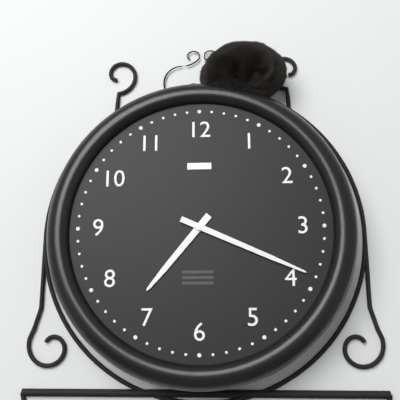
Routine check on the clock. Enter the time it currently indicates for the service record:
7:19
